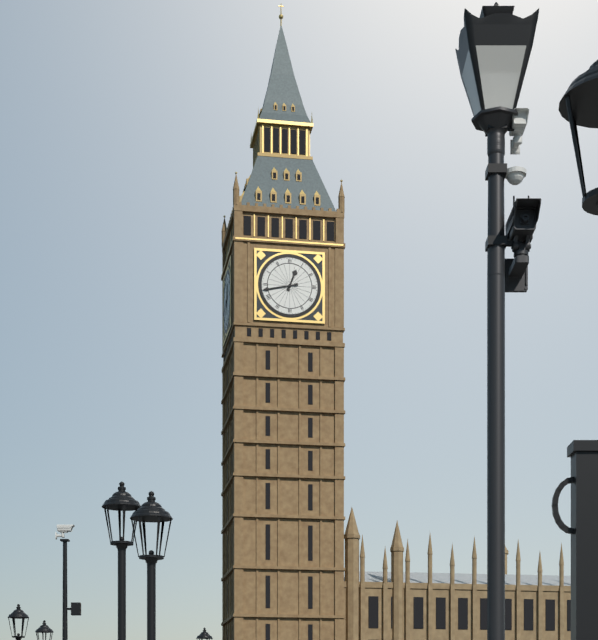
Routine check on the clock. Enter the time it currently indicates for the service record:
12:43
